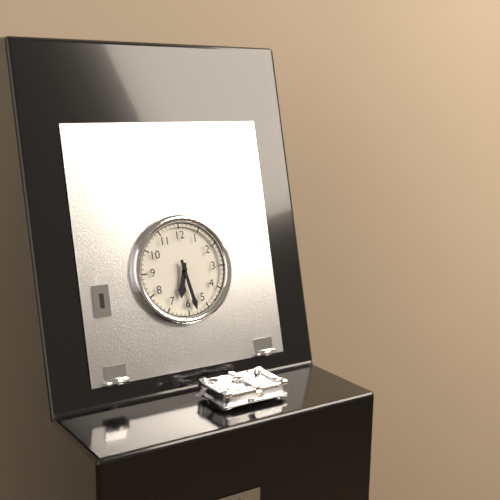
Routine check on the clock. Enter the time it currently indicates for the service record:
6:28
